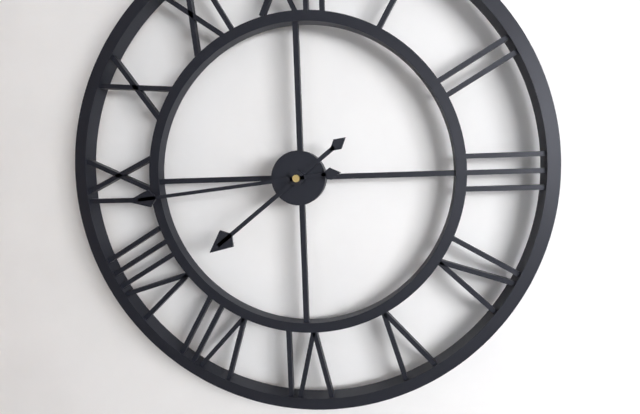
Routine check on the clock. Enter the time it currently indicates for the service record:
7:44
